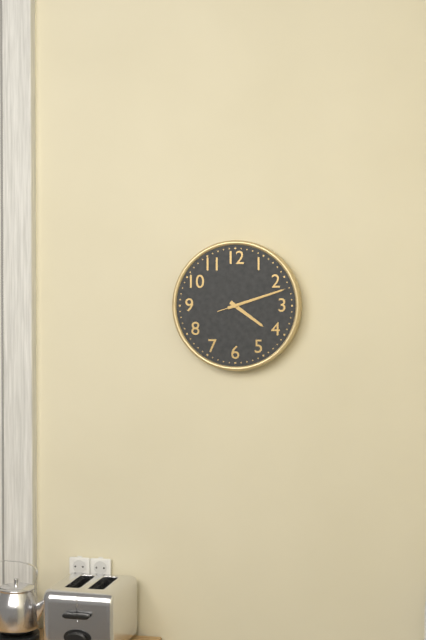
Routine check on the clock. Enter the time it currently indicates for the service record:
4:12:12
